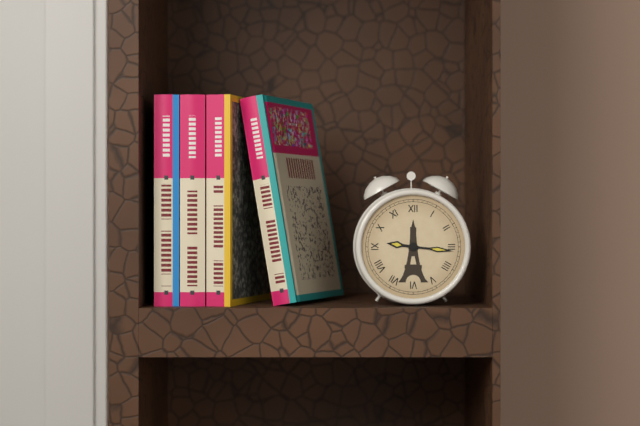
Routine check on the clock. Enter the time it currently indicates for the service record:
9:16
